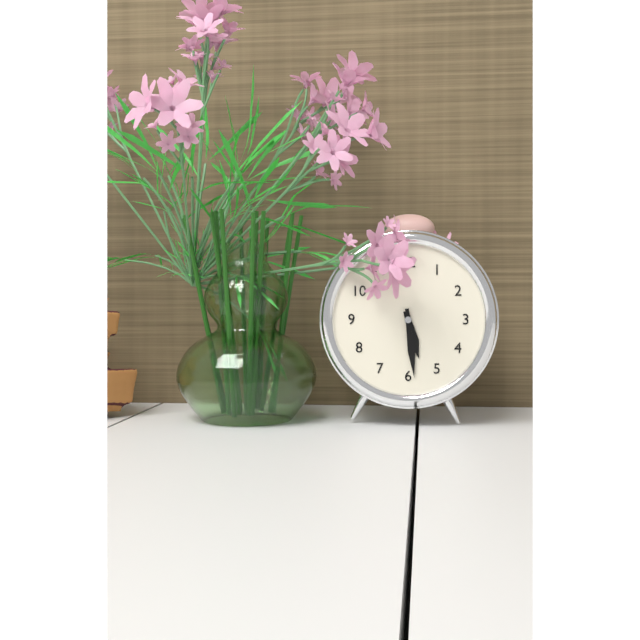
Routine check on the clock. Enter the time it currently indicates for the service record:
5:29
